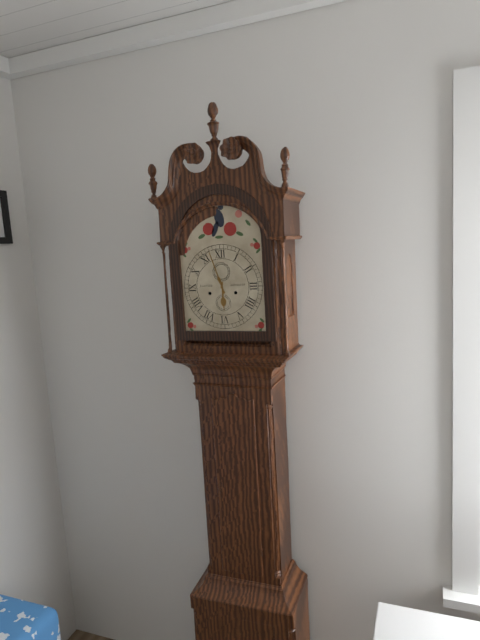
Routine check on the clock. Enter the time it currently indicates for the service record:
5:57
